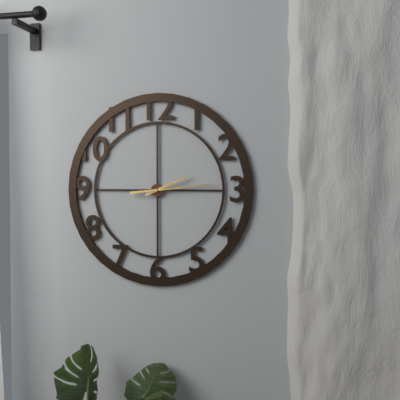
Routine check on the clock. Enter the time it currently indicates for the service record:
2:14
